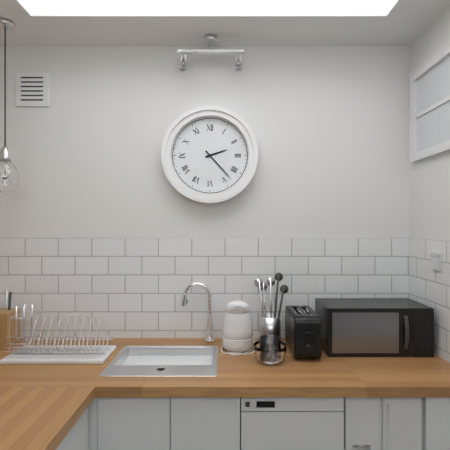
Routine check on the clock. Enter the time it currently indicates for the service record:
2:23
